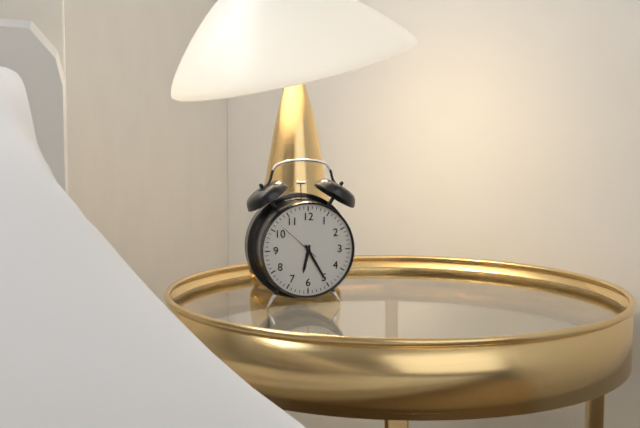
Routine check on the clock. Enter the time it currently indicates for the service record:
6:25
